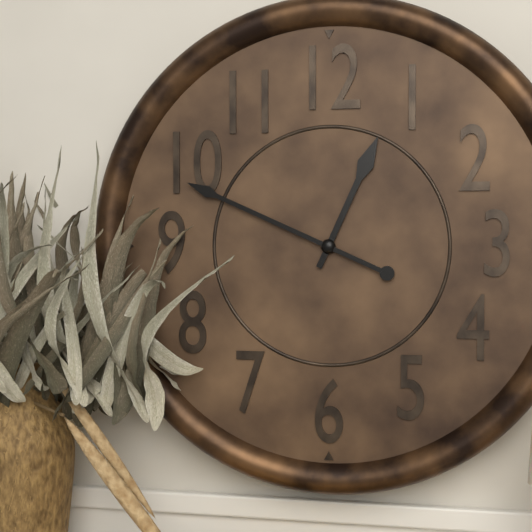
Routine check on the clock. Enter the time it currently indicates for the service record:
12:49
